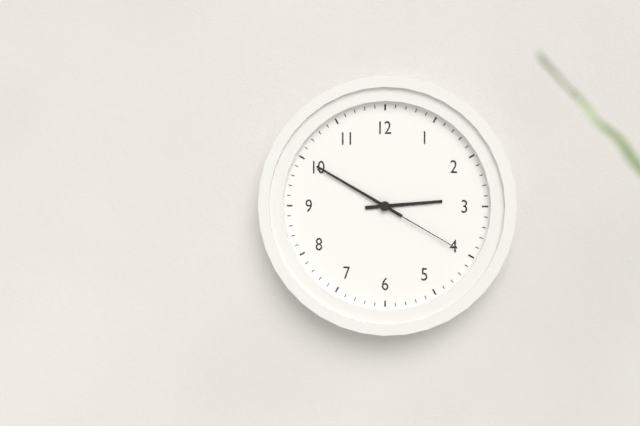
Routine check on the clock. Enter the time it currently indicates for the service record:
2:50:20
